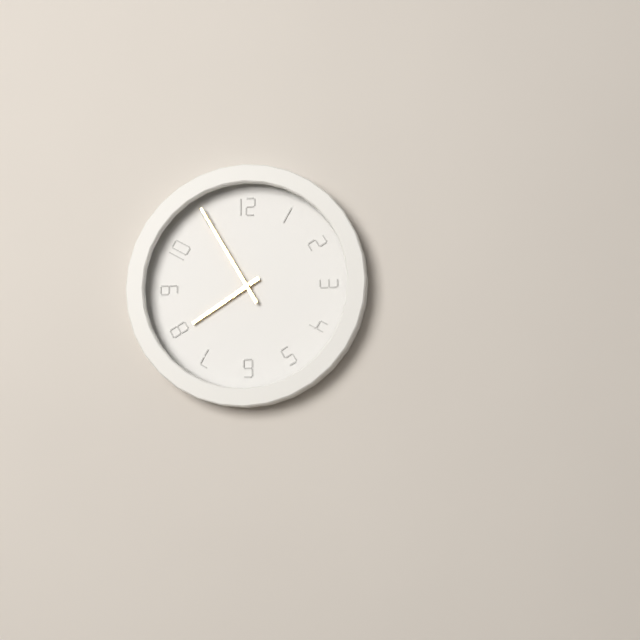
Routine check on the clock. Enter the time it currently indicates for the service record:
7:55
